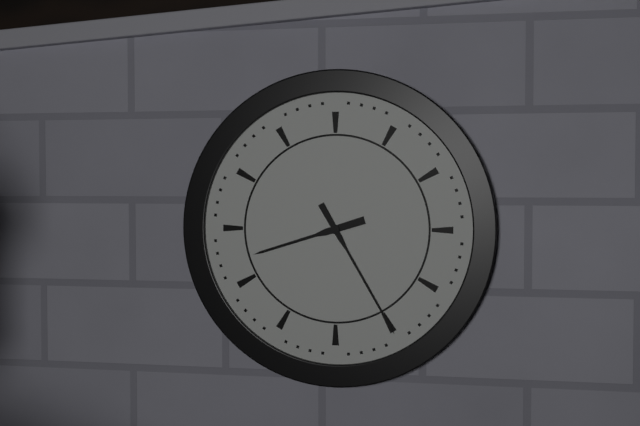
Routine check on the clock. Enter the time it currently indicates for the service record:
8:25
